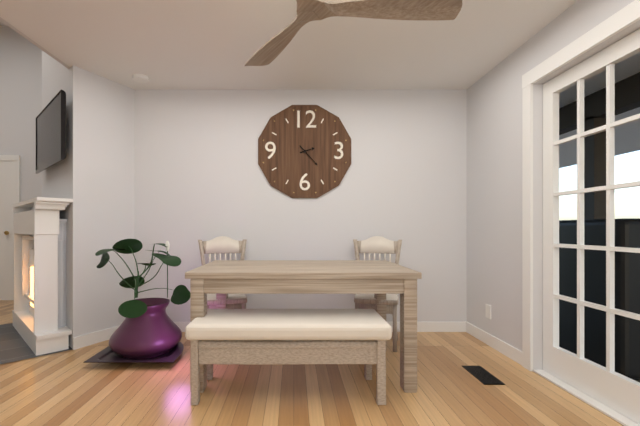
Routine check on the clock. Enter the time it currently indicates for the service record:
2:23
